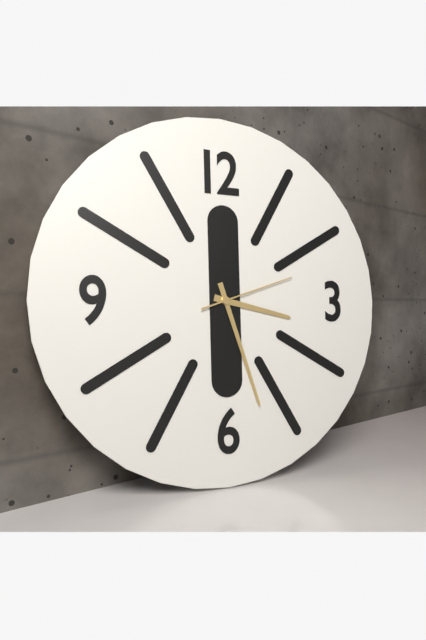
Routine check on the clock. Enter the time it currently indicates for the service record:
3:27:12
